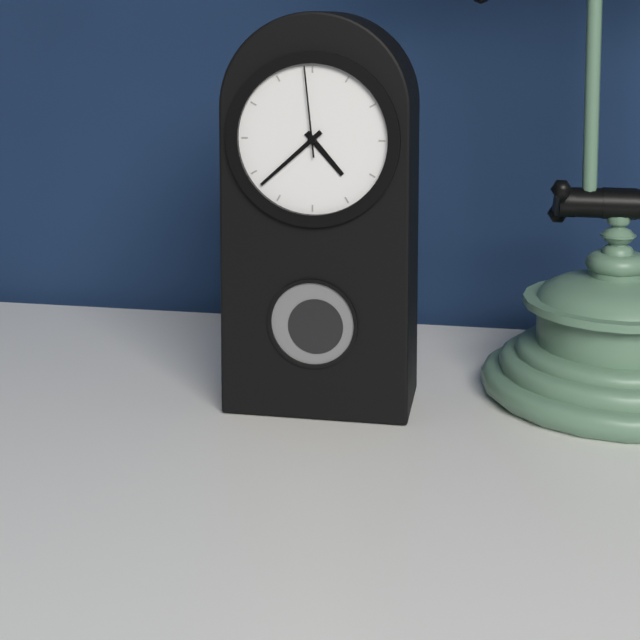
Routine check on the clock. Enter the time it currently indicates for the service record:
4:38:59
